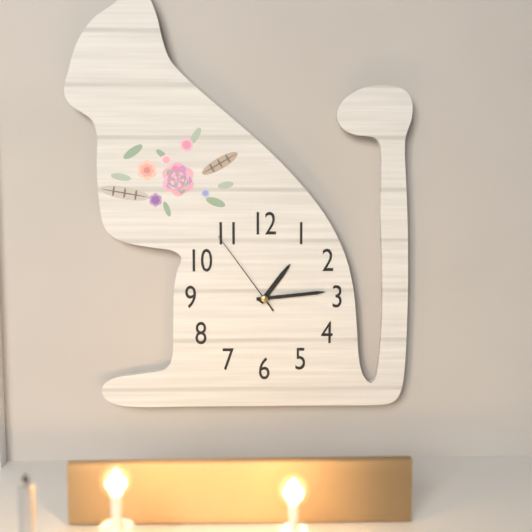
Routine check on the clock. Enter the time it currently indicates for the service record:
1:14:54
